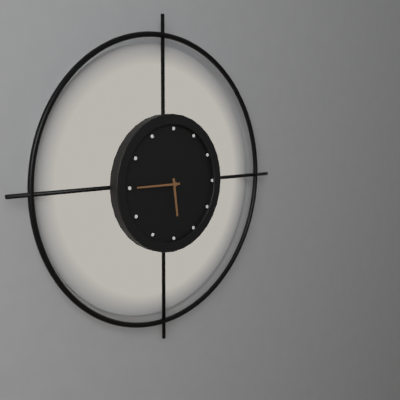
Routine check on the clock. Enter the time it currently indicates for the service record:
5:45
